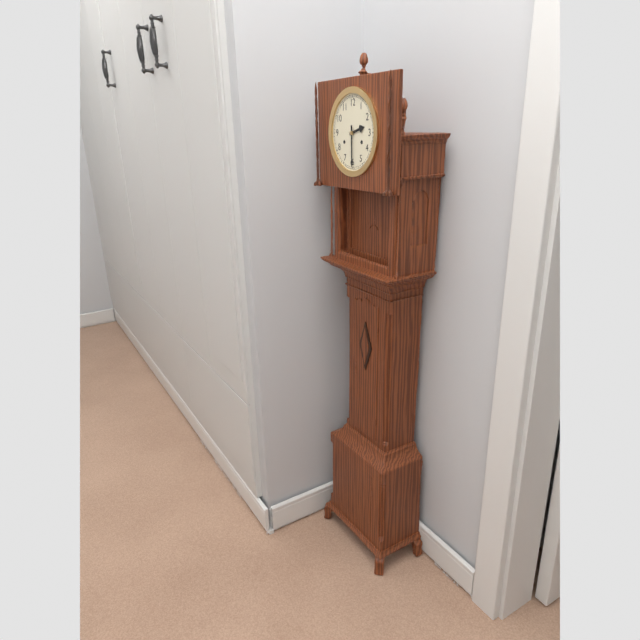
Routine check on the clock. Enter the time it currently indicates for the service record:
2:30
